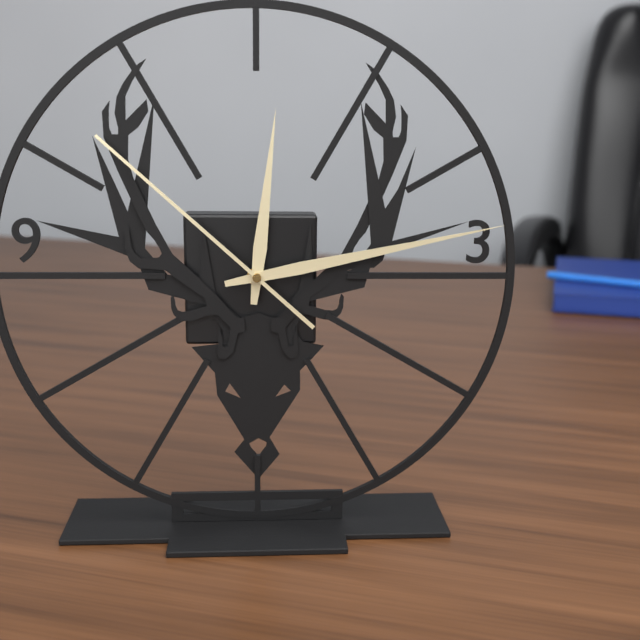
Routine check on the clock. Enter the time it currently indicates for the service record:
12:13:52
